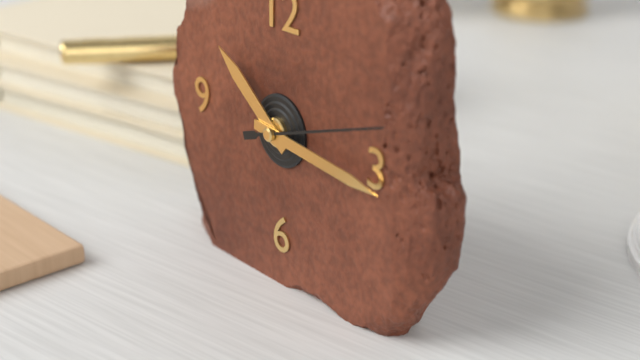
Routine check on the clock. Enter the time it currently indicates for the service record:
10:16:12
